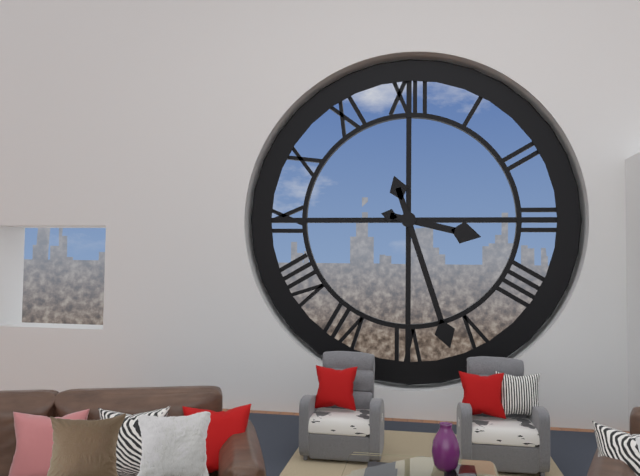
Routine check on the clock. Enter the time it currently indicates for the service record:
3:27
